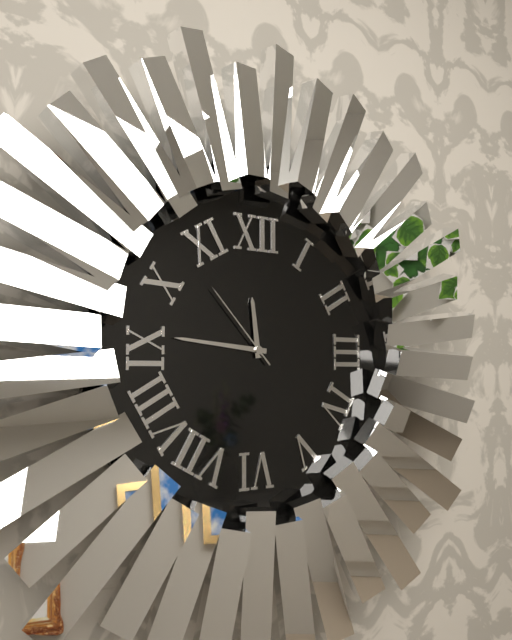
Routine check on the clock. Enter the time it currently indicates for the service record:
11:46:53
